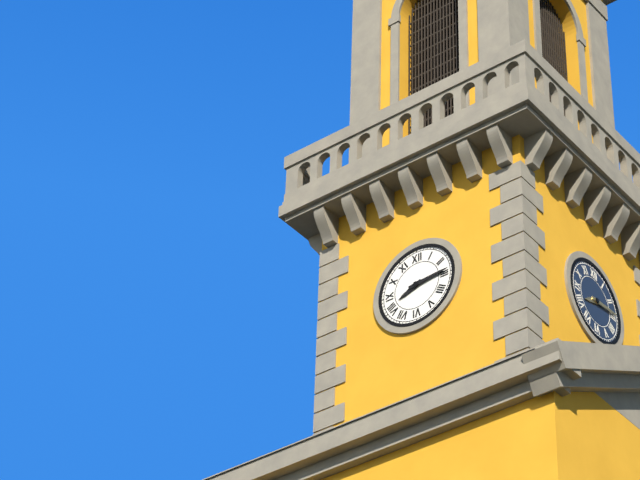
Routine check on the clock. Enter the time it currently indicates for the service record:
8:14
